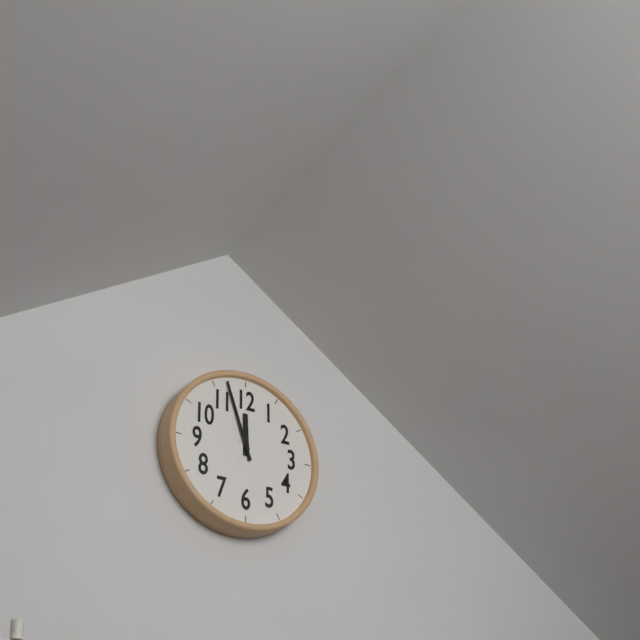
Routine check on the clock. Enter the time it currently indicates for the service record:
11:57
